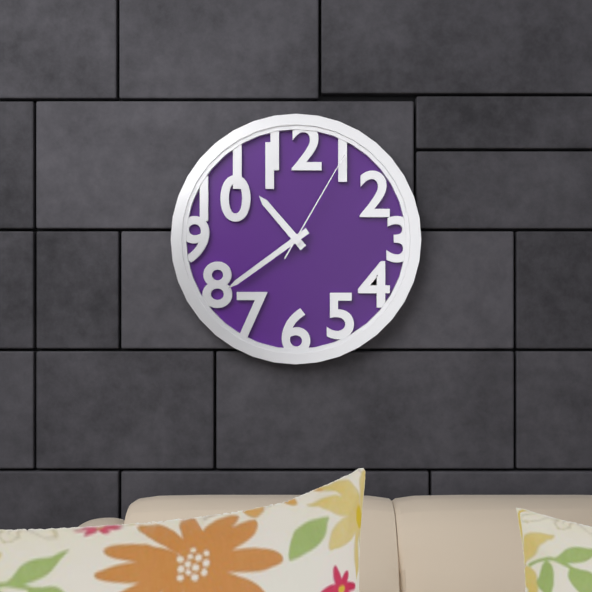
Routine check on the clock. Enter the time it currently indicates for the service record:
10:39:05
